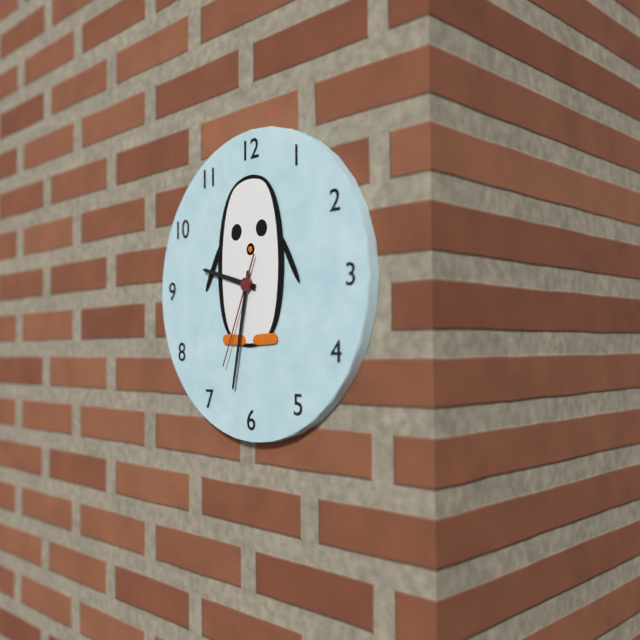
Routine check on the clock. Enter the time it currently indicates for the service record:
9:32:34
